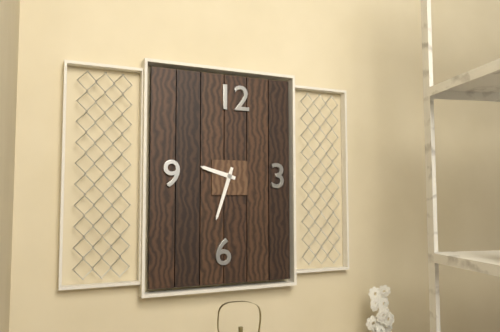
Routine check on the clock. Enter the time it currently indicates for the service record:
9:33
